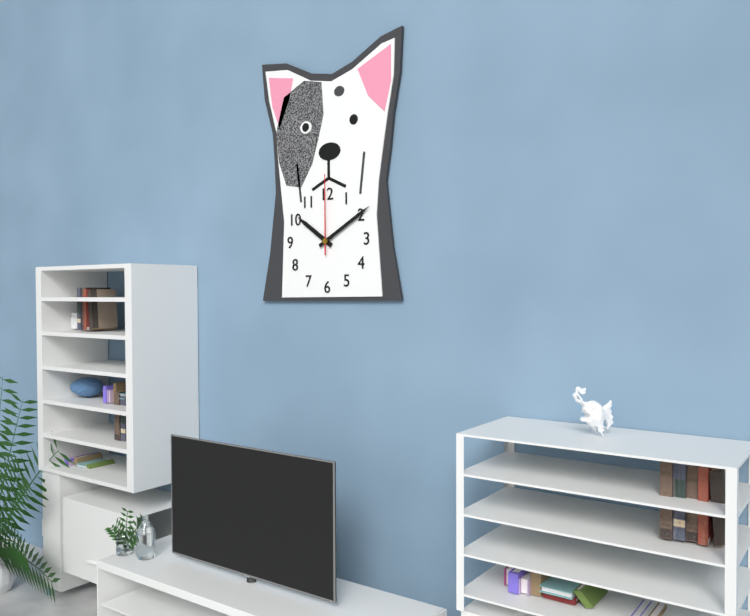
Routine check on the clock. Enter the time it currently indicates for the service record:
10:10:00
